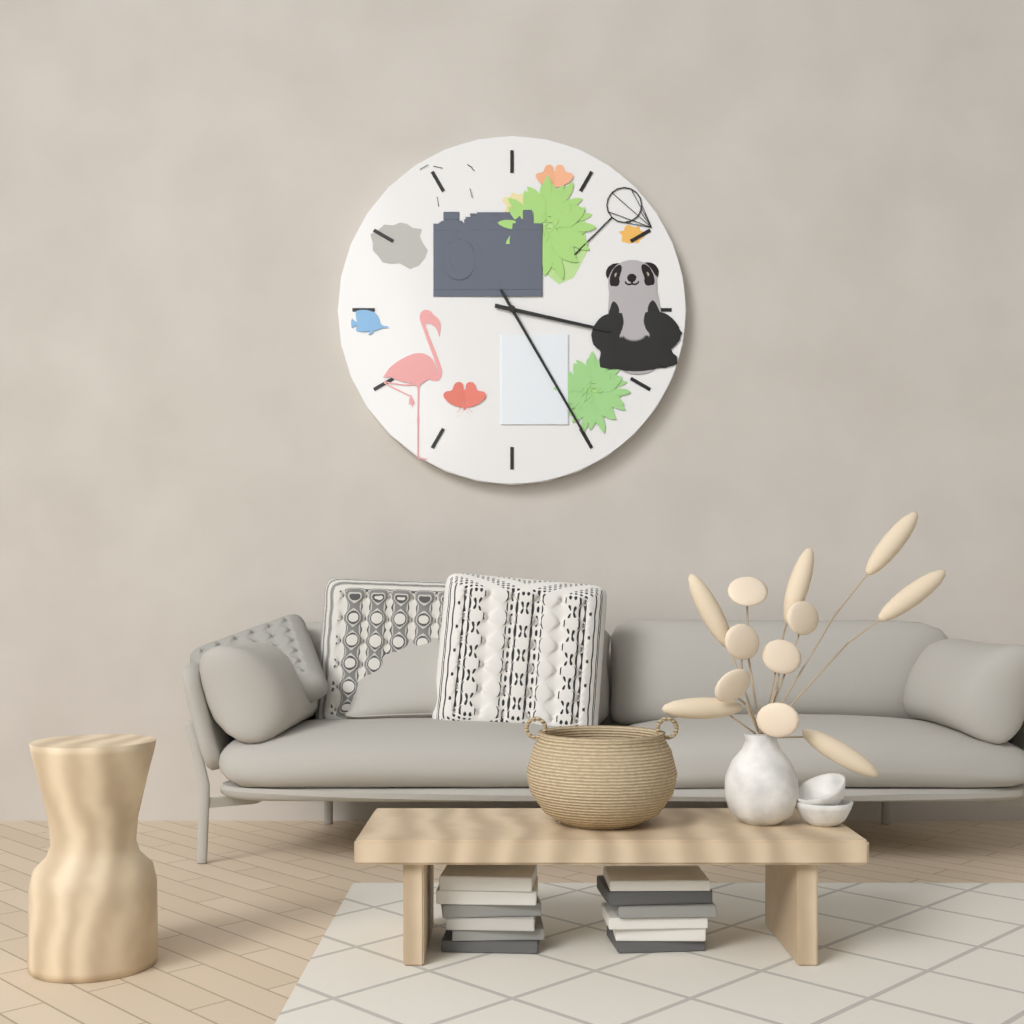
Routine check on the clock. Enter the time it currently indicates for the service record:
3:25
